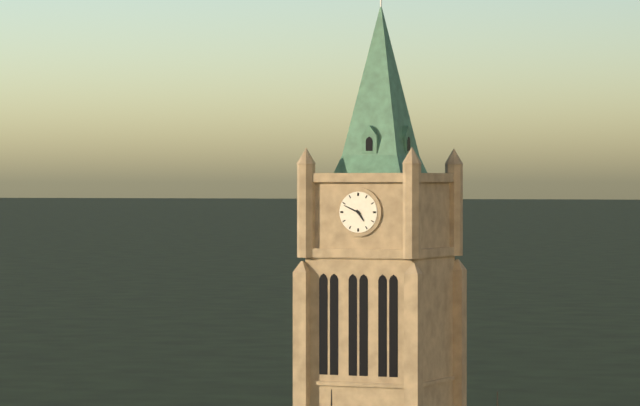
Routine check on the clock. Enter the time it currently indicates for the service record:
4:49
